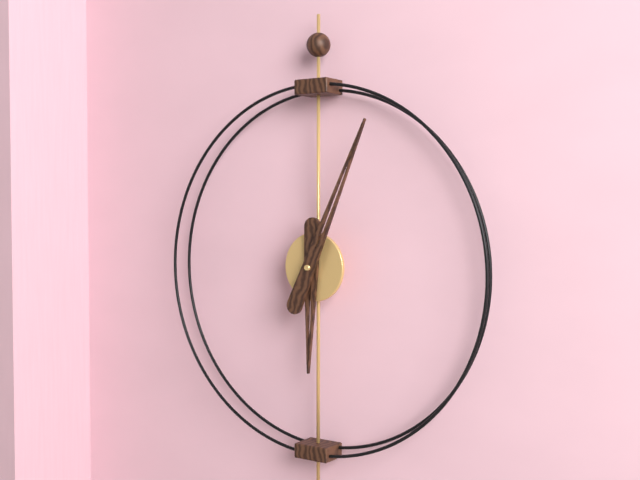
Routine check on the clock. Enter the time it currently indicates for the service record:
6:04
